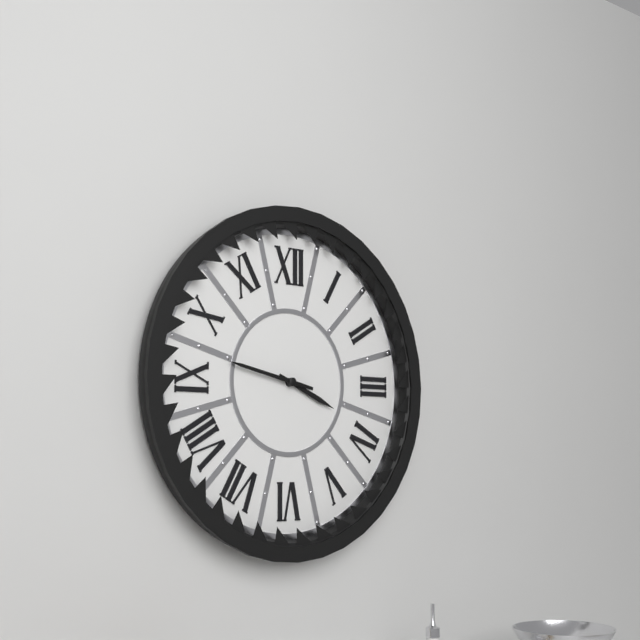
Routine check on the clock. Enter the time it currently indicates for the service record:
3:47
